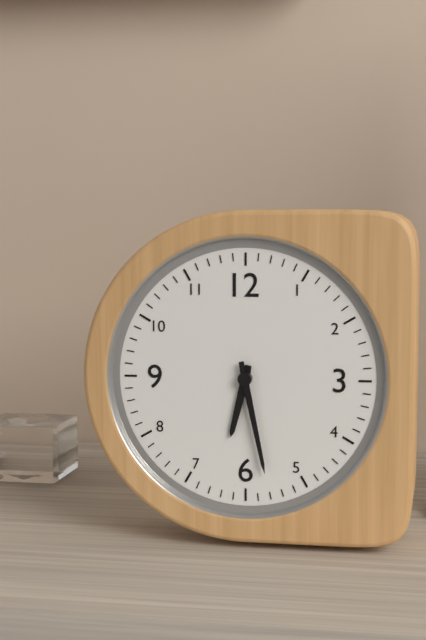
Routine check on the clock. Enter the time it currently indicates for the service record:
6:28
